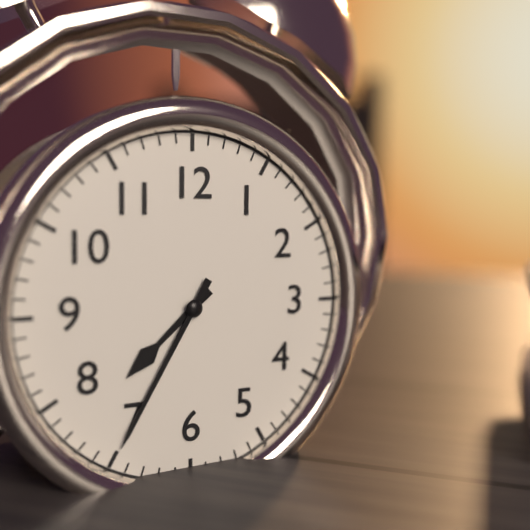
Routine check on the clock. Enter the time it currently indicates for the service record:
7:35
